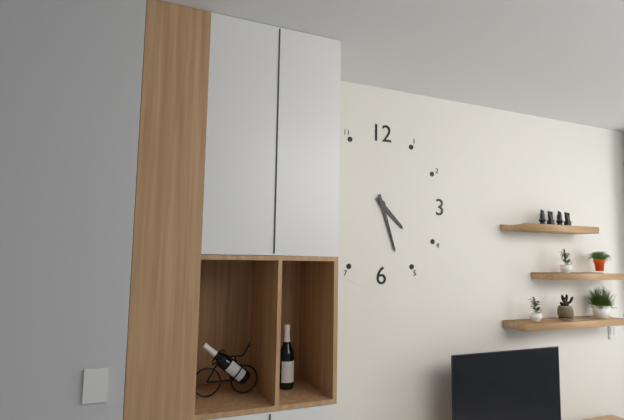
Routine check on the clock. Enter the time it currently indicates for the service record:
4:27
